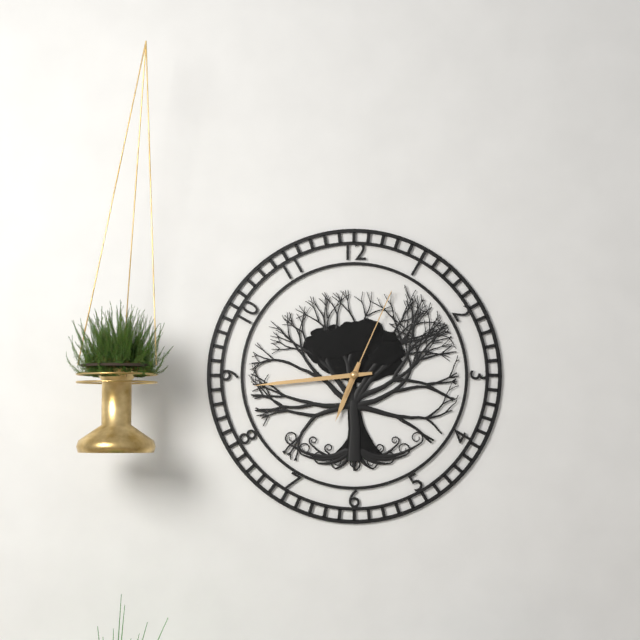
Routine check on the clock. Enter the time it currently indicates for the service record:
6:44:04
